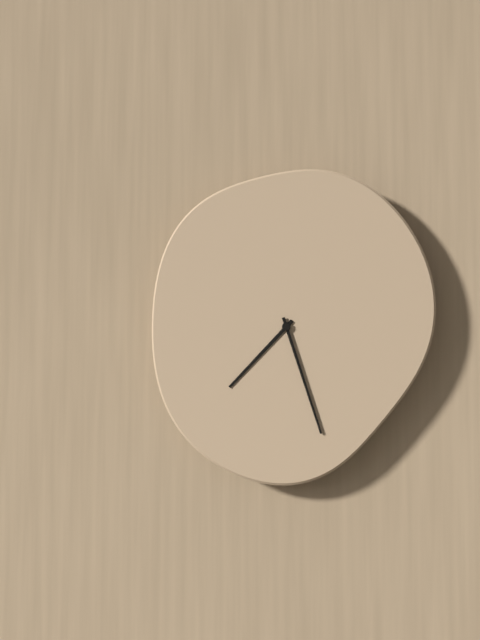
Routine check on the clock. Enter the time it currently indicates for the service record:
7:27
